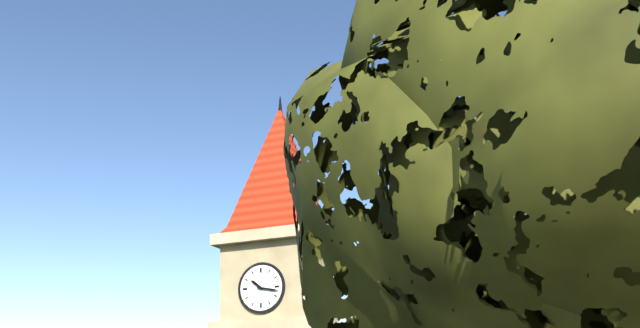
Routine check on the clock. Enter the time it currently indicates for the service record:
10:17
